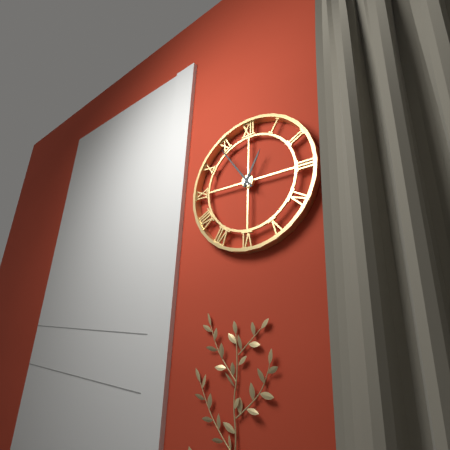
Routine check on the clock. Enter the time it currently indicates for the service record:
12:54
